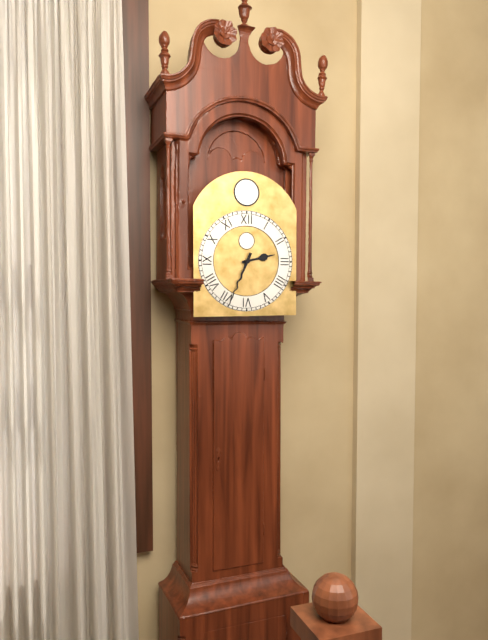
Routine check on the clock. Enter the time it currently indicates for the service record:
2:34
